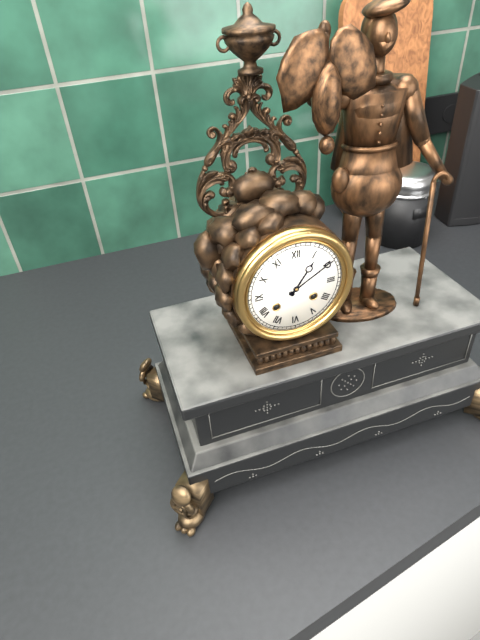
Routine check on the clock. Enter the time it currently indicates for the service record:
1:10
